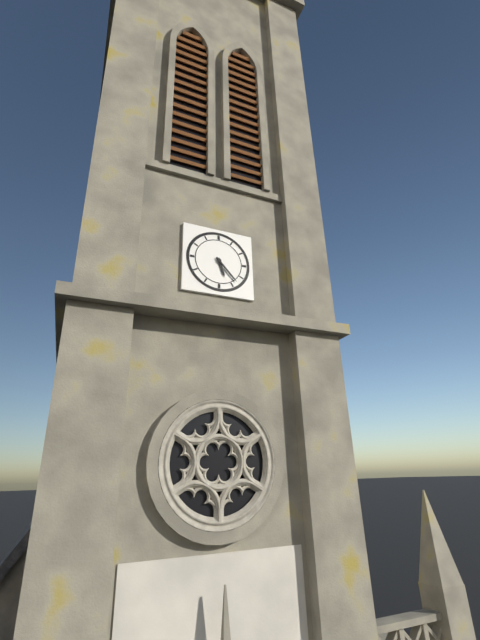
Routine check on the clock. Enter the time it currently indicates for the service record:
5:23
